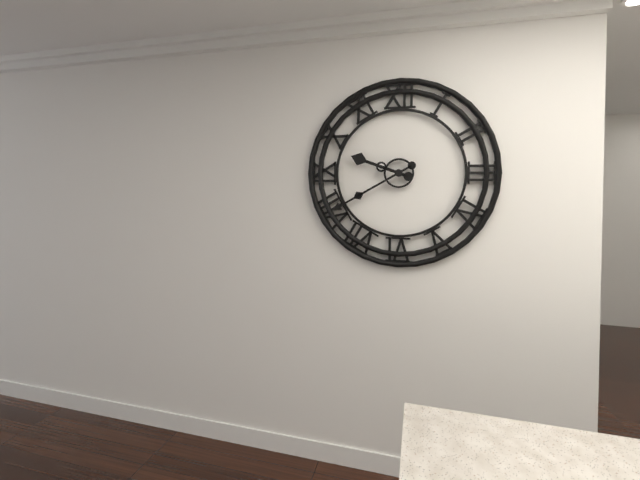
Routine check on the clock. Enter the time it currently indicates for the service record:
9:40
